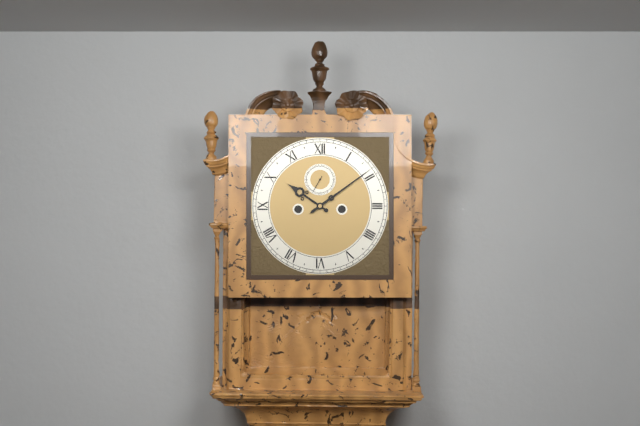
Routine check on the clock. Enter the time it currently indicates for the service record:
10:09
